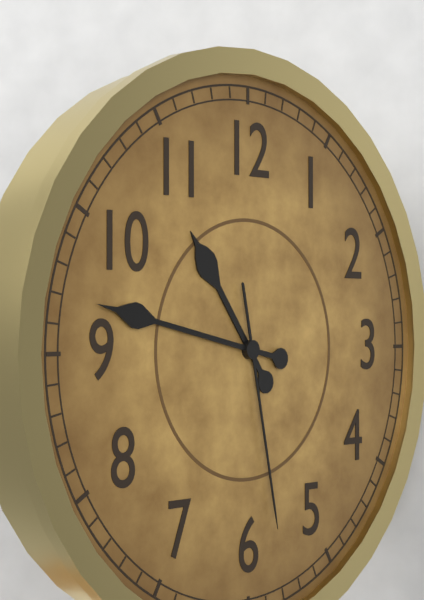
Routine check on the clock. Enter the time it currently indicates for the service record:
10:47:28
